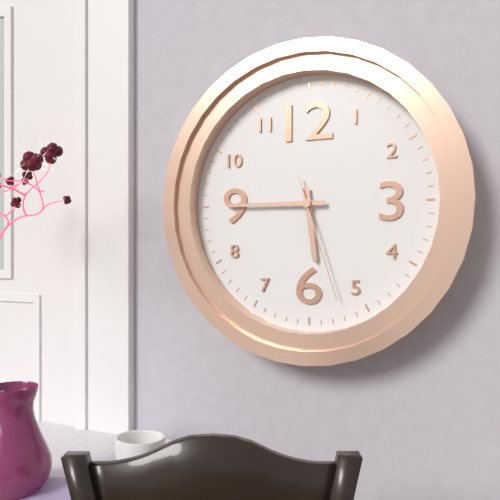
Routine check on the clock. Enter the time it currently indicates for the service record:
5:45:27
